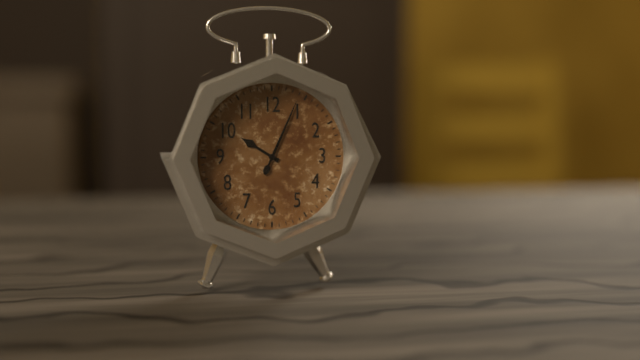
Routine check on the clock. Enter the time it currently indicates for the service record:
10:04
